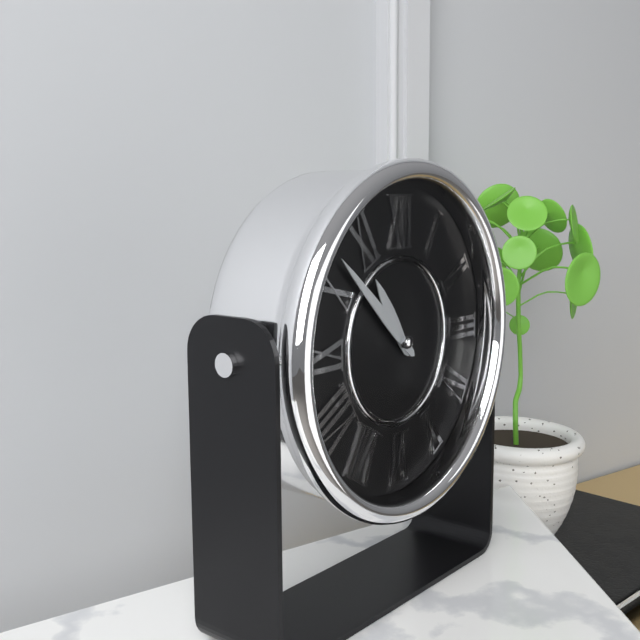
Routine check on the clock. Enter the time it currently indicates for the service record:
10:52
